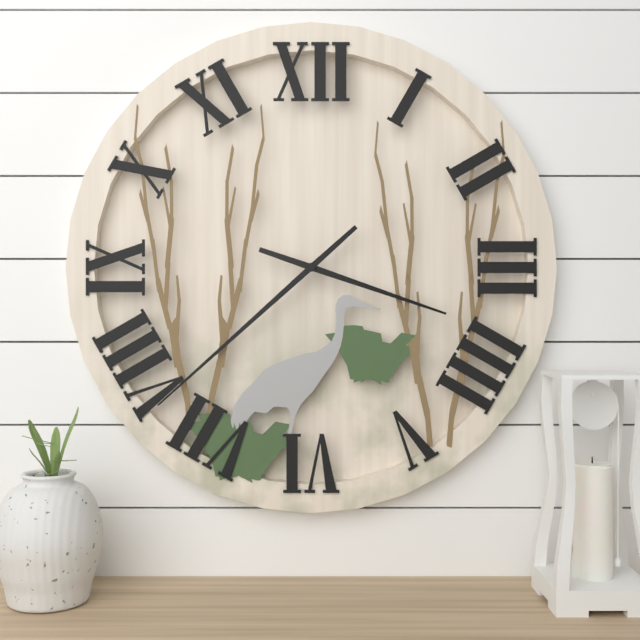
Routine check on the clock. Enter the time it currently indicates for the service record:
3:38
